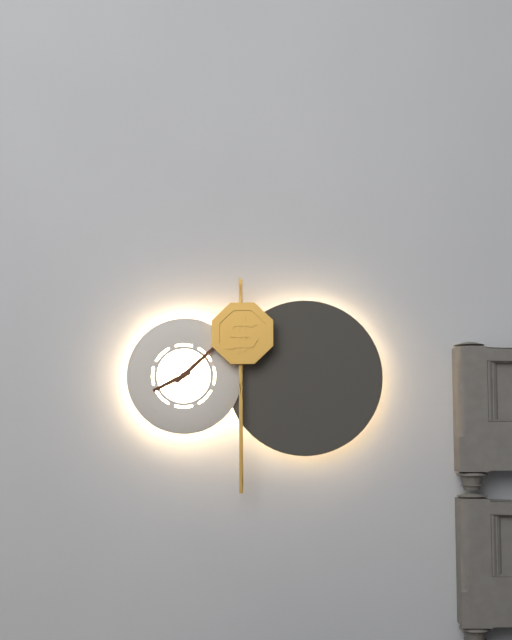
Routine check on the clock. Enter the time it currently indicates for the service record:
8:08
